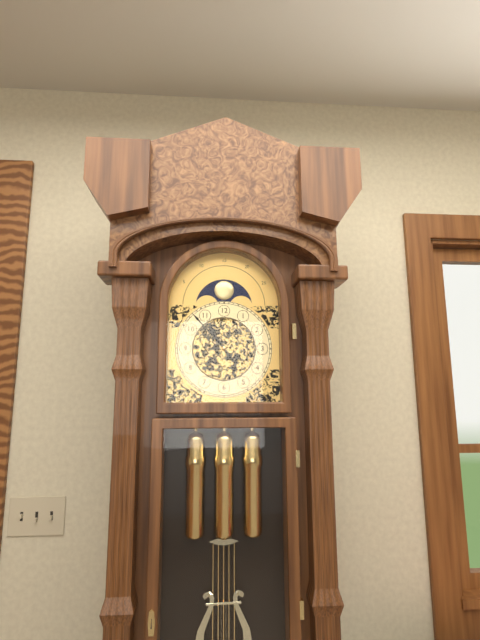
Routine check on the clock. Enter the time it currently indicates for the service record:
10:53
